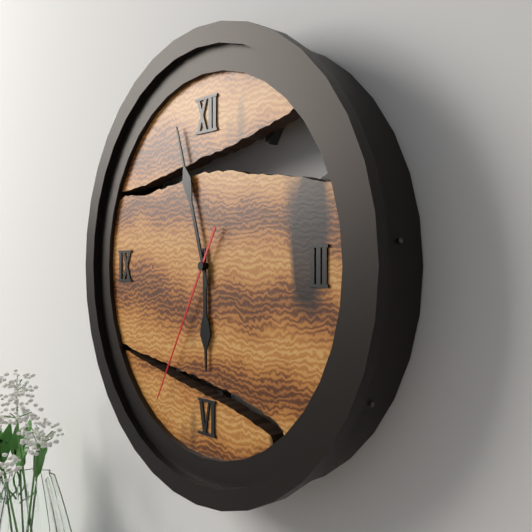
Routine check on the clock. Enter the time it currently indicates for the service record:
5:57:35
